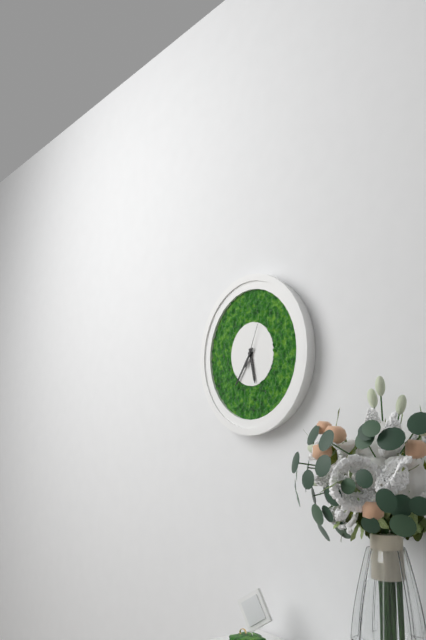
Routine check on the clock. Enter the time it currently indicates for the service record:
5:36
